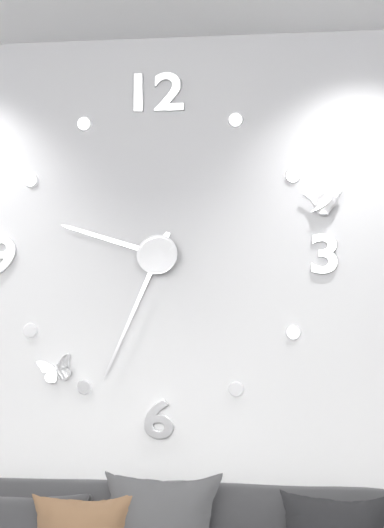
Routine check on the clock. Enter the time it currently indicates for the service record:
9:34
